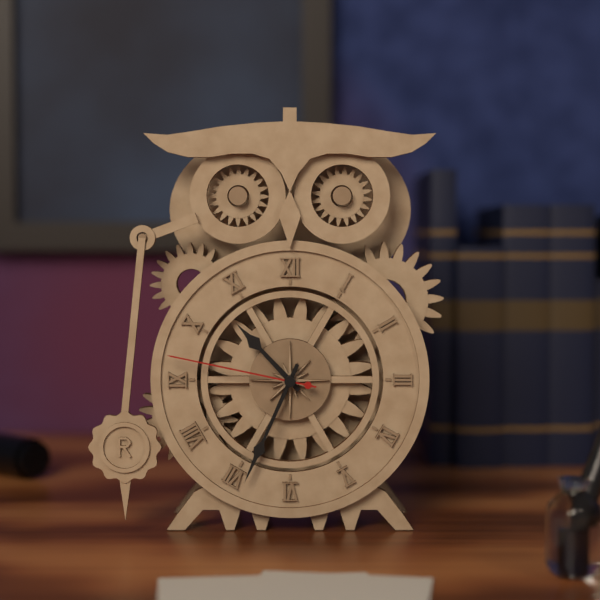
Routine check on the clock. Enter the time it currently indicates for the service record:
10:34:47
